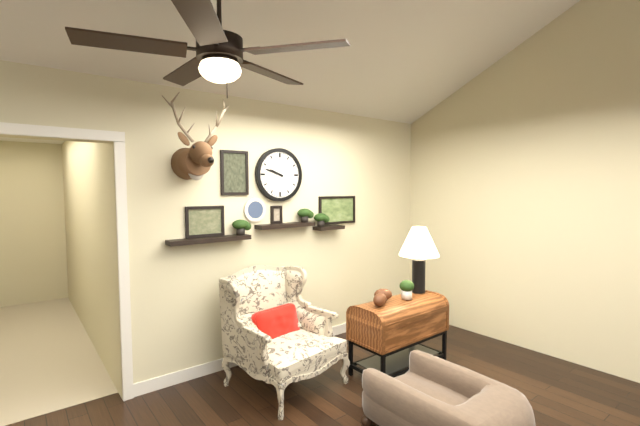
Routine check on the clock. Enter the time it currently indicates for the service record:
9:48
